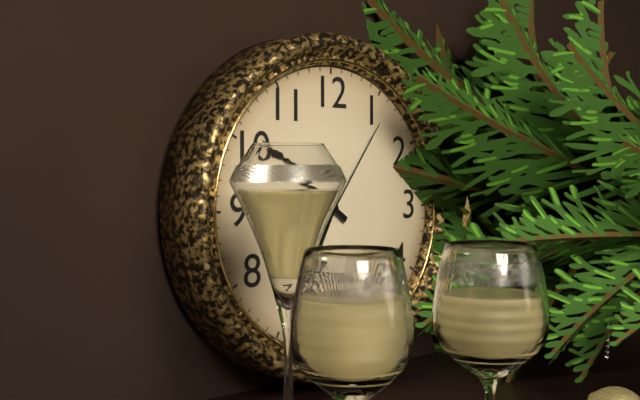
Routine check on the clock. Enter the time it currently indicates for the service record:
6:51:06
